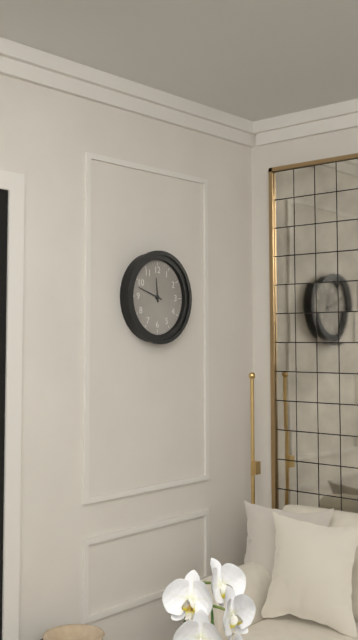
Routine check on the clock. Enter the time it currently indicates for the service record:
11:48
